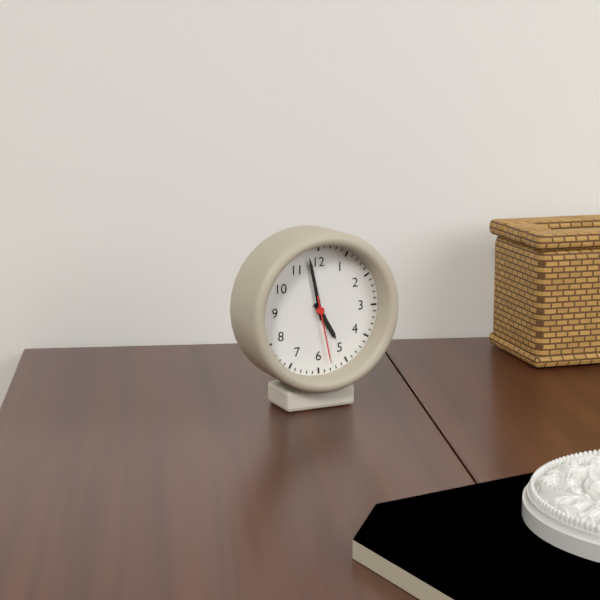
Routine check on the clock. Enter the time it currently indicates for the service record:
4:58:28
